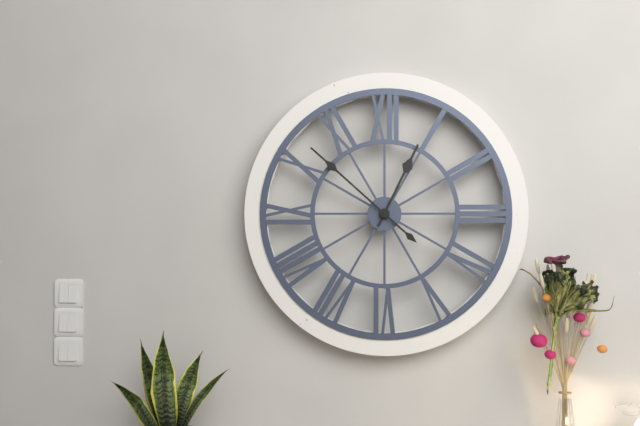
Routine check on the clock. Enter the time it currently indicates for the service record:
12:52
